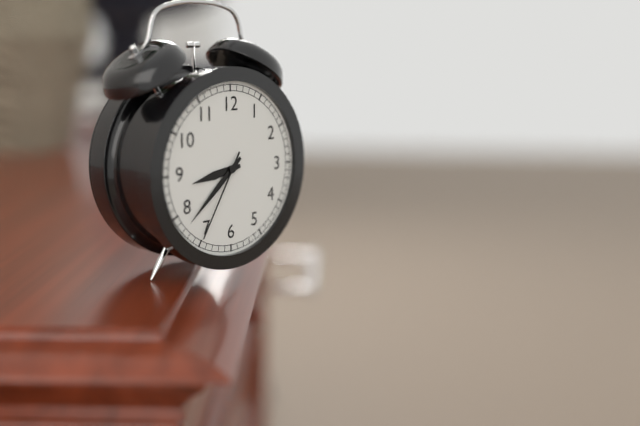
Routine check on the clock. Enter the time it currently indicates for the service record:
8:38:35
